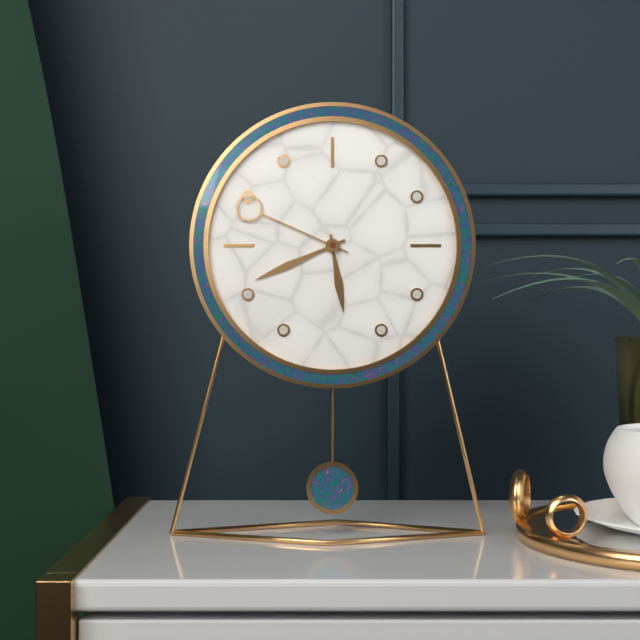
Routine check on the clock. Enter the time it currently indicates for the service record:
5:41:49
